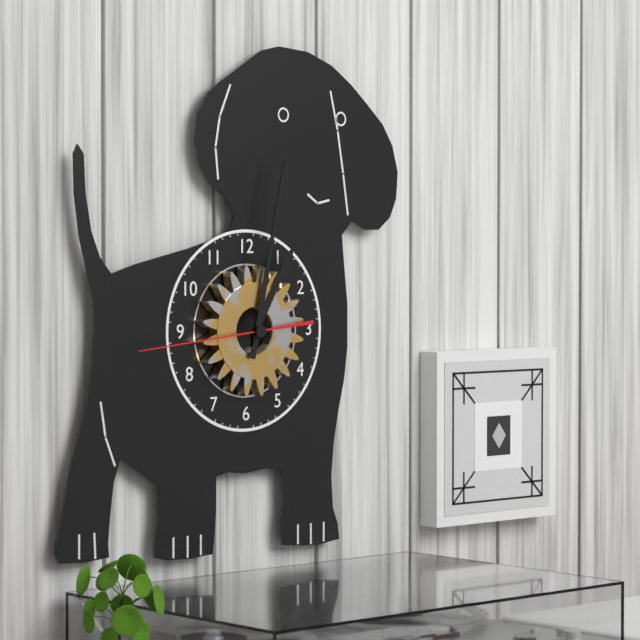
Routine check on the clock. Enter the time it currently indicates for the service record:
1:02:44
